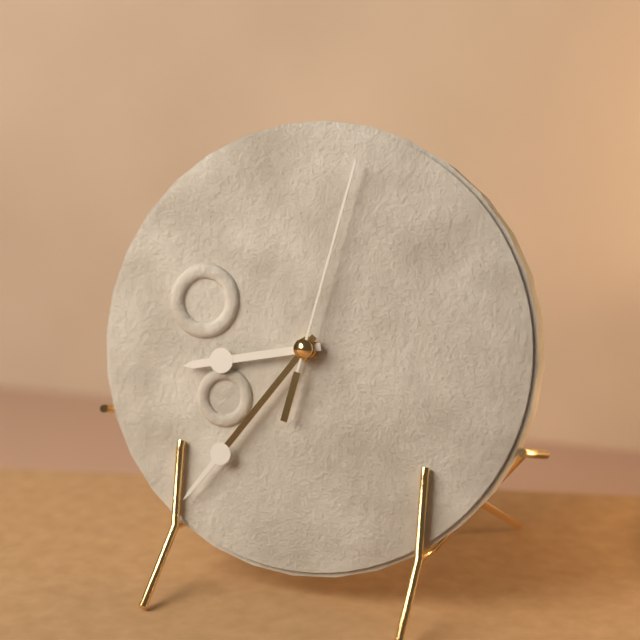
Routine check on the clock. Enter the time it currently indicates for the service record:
8:36:02
